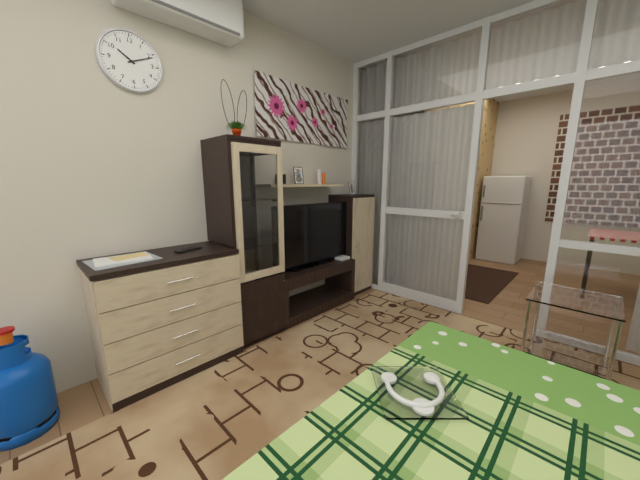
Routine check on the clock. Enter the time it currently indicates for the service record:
10:11
